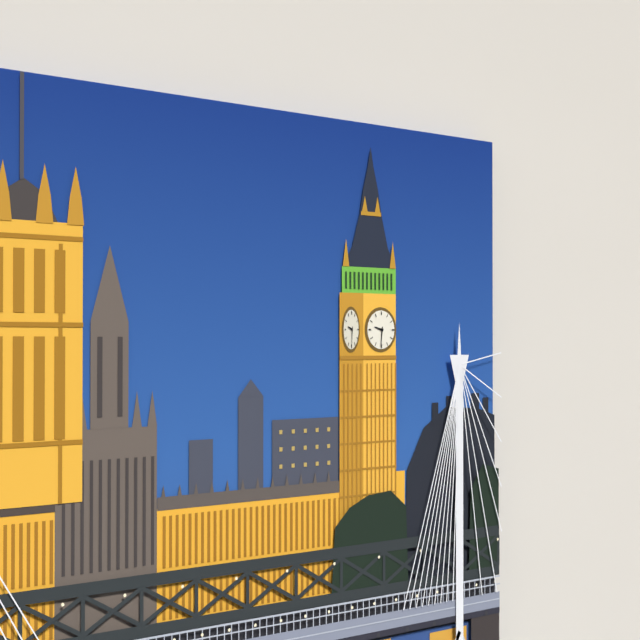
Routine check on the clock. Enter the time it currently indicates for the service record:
9:31
